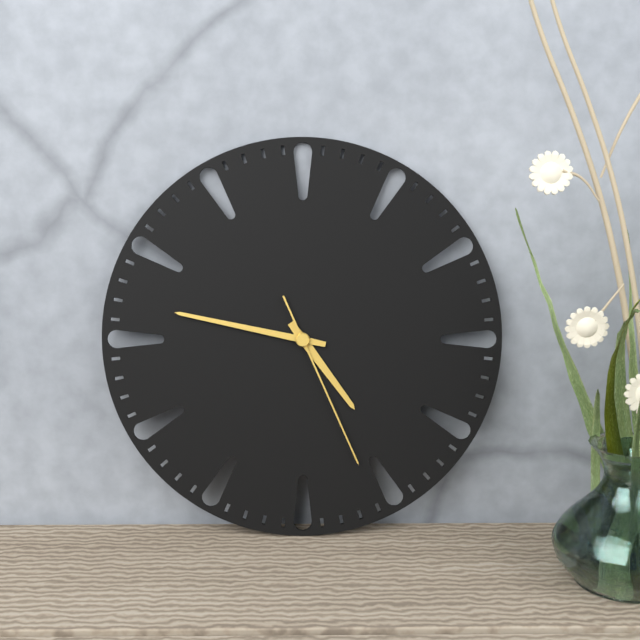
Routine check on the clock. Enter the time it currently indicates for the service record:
4:47:26
